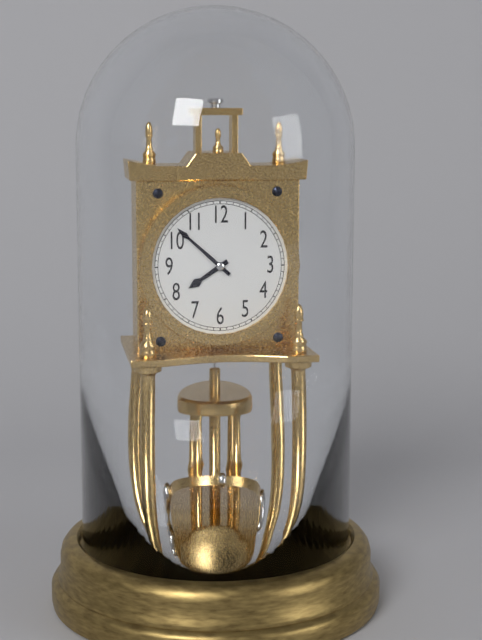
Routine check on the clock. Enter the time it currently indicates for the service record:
7:52
